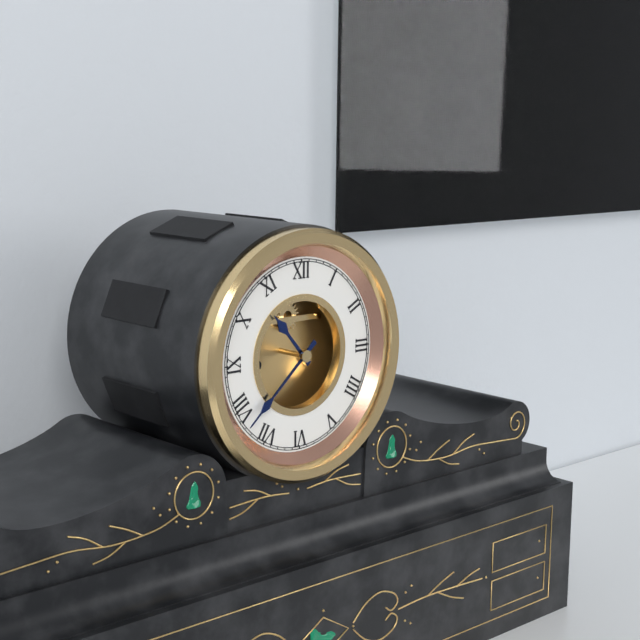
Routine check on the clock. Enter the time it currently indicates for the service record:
10:38
